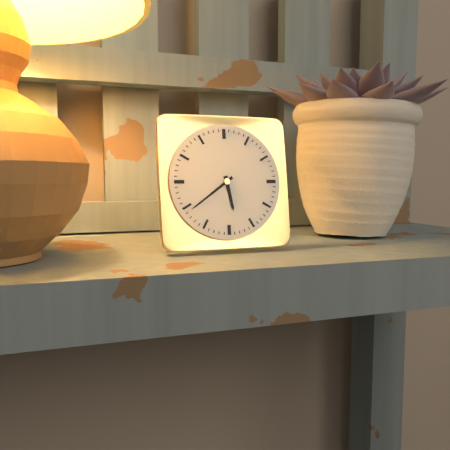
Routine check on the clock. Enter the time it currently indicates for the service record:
5:39
